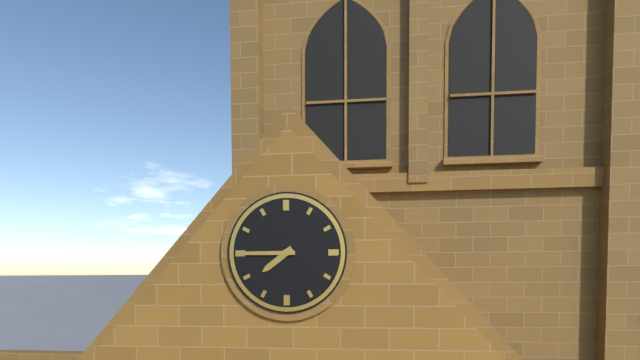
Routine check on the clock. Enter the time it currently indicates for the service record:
7:45
